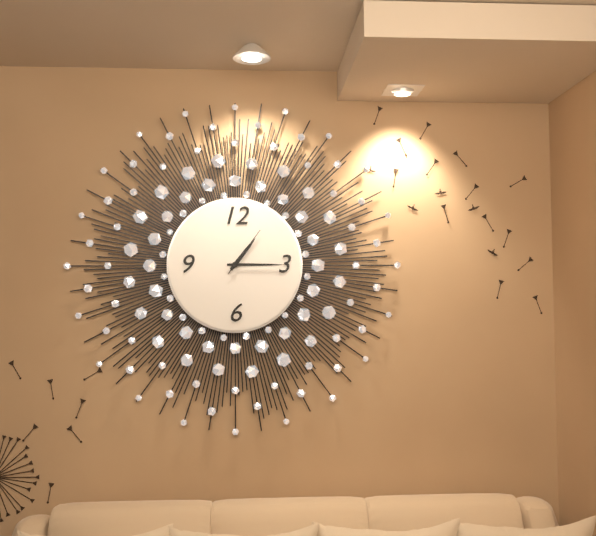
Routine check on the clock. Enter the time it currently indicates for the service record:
1:15:06
